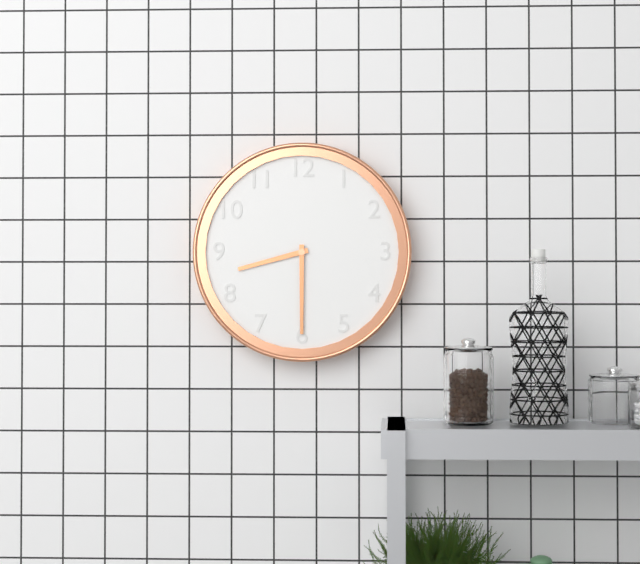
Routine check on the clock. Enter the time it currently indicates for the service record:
8:30
